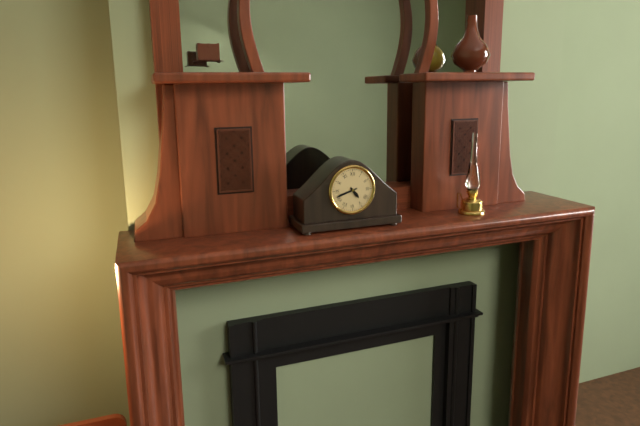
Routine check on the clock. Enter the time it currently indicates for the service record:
4:42
